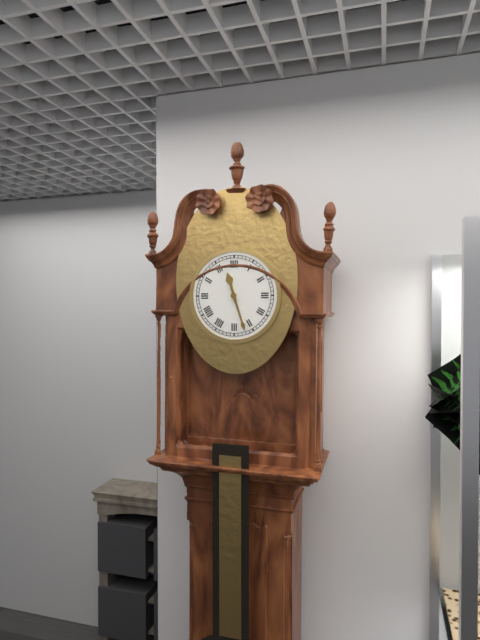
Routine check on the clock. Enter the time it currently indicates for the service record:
11:27
